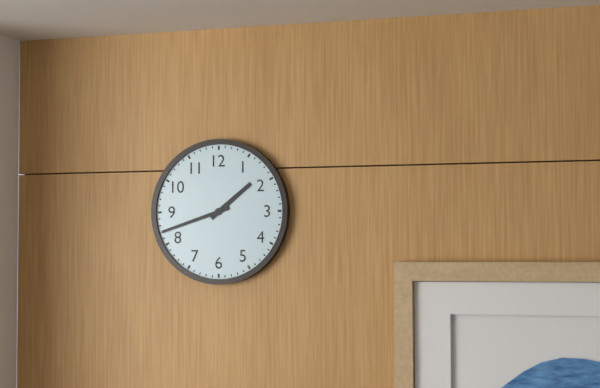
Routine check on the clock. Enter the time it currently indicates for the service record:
1:42
